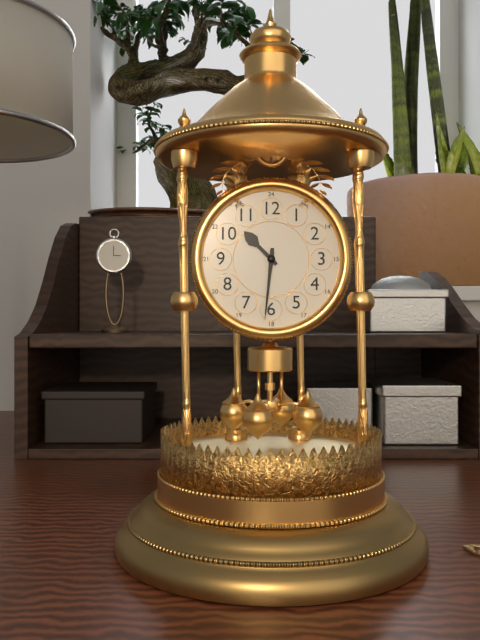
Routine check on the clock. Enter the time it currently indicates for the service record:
10:31
